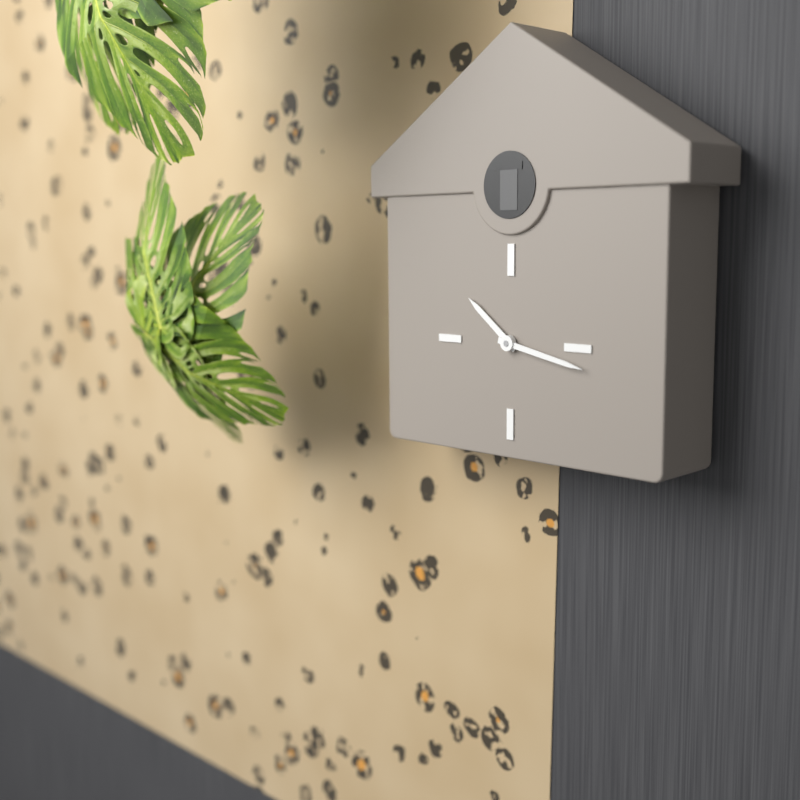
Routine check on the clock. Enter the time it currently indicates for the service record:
10:17
